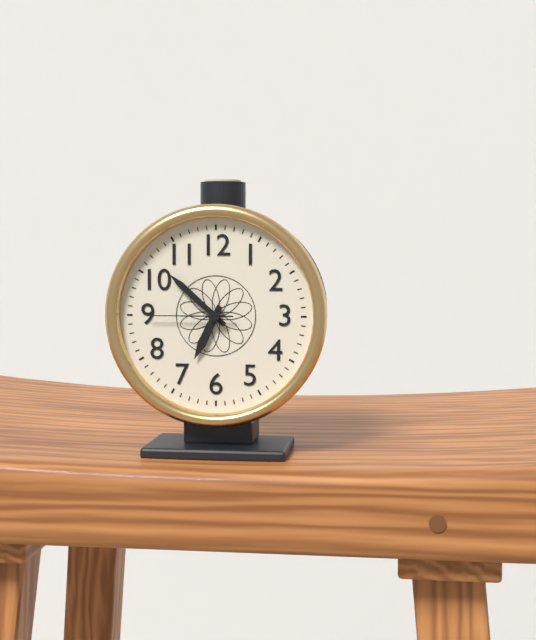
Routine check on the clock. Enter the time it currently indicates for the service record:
6:52:45
